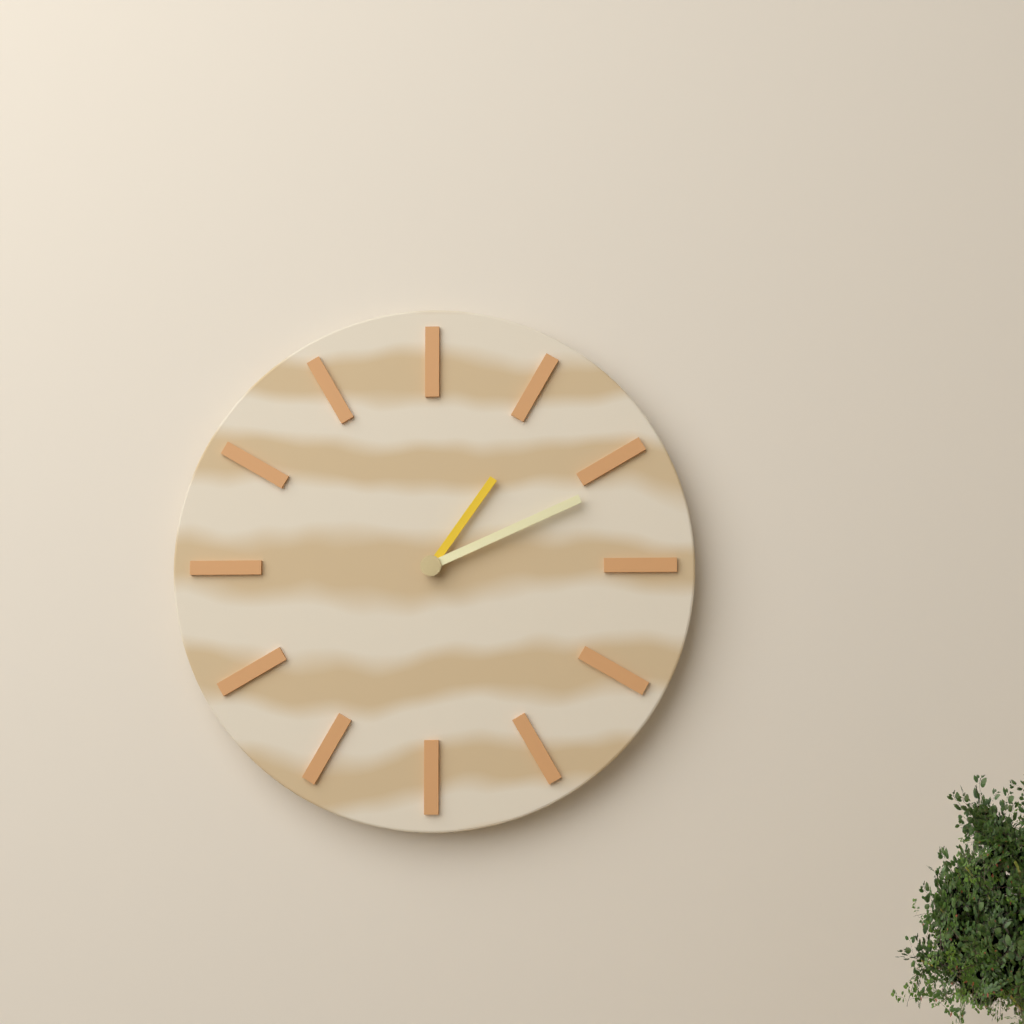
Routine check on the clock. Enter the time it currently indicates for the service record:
1:11
